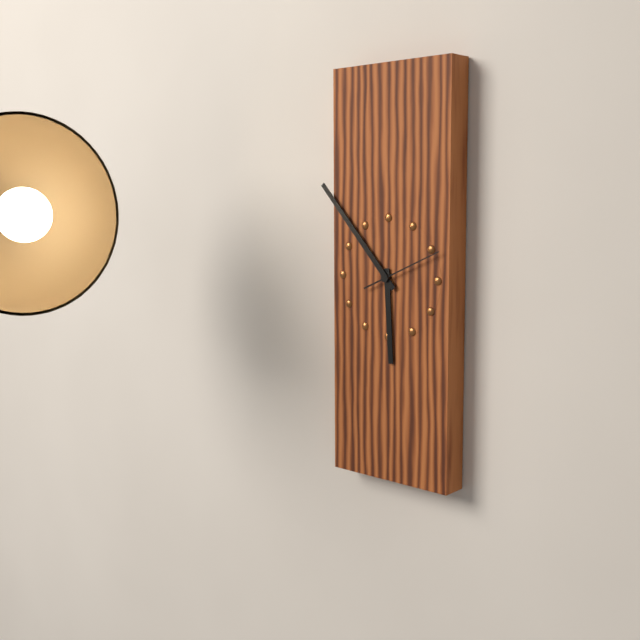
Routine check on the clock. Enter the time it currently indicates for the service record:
5:53:11
